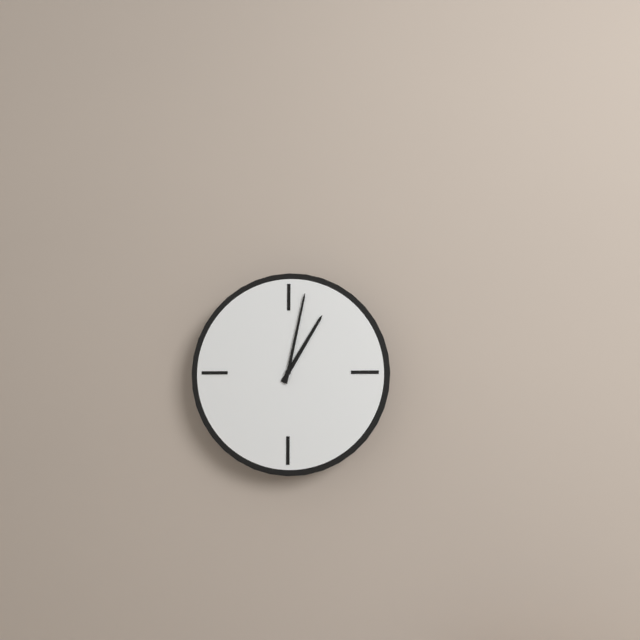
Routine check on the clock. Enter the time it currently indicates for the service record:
1:02
